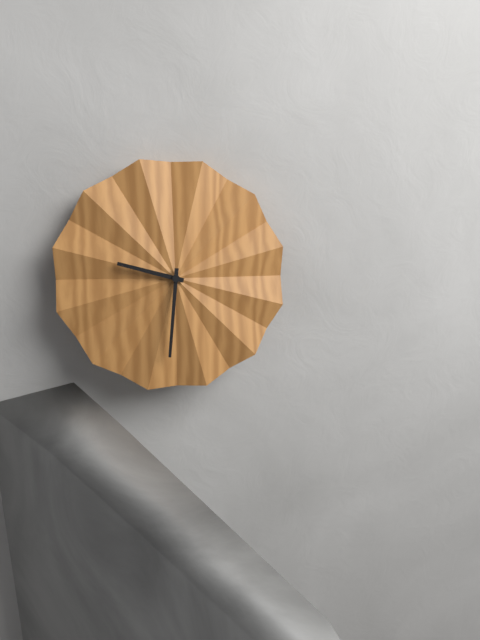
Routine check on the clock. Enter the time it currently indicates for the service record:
9:31
